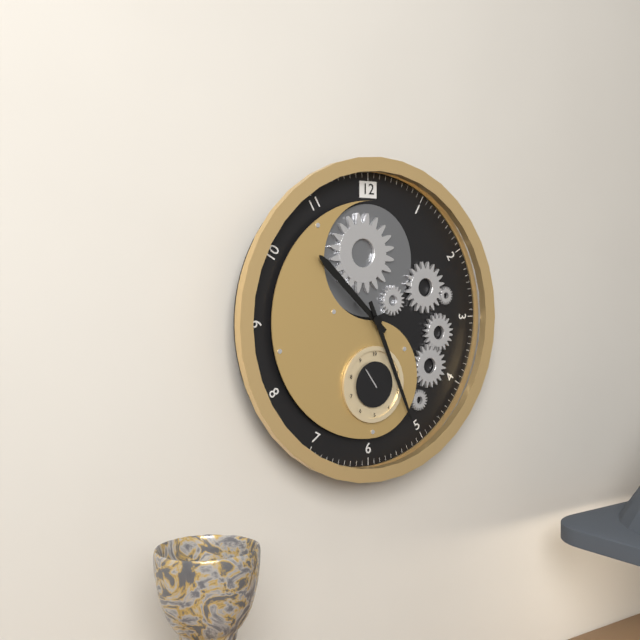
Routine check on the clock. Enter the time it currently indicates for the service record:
10:26
